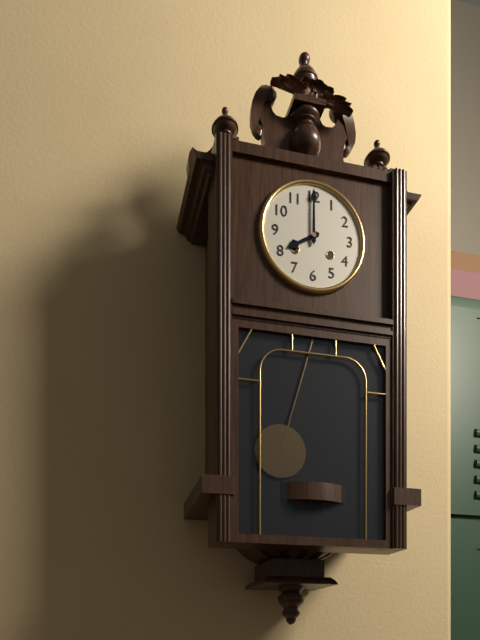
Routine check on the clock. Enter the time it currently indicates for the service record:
8:00
